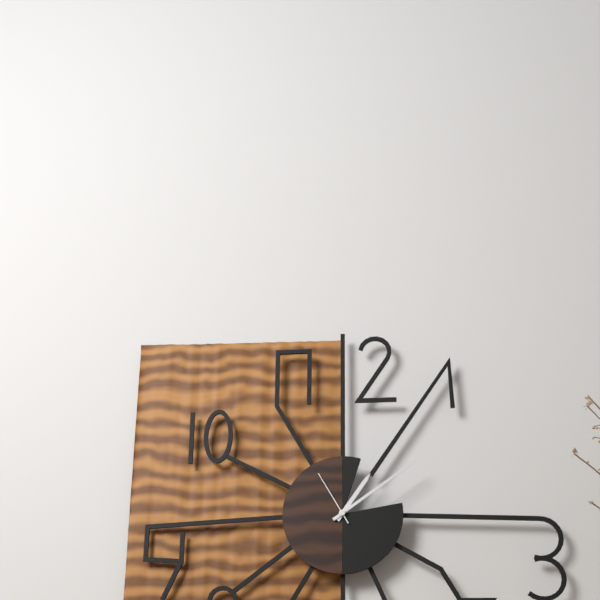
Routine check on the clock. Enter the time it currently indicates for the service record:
1:09:55
